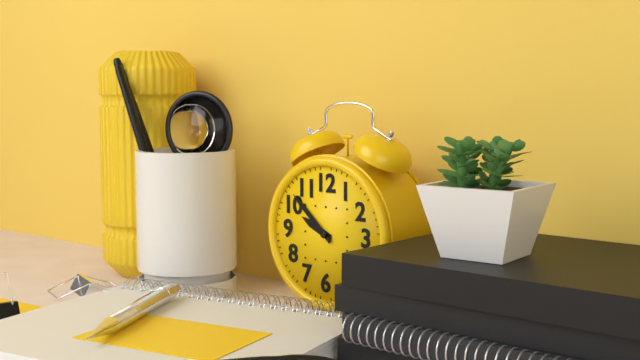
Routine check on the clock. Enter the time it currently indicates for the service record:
9:52
